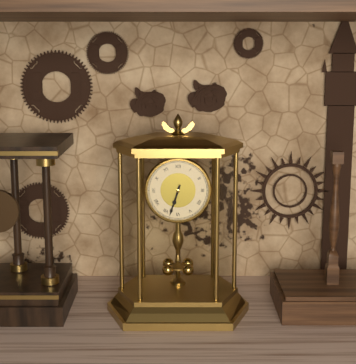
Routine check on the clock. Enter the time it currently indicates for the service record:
6:33
